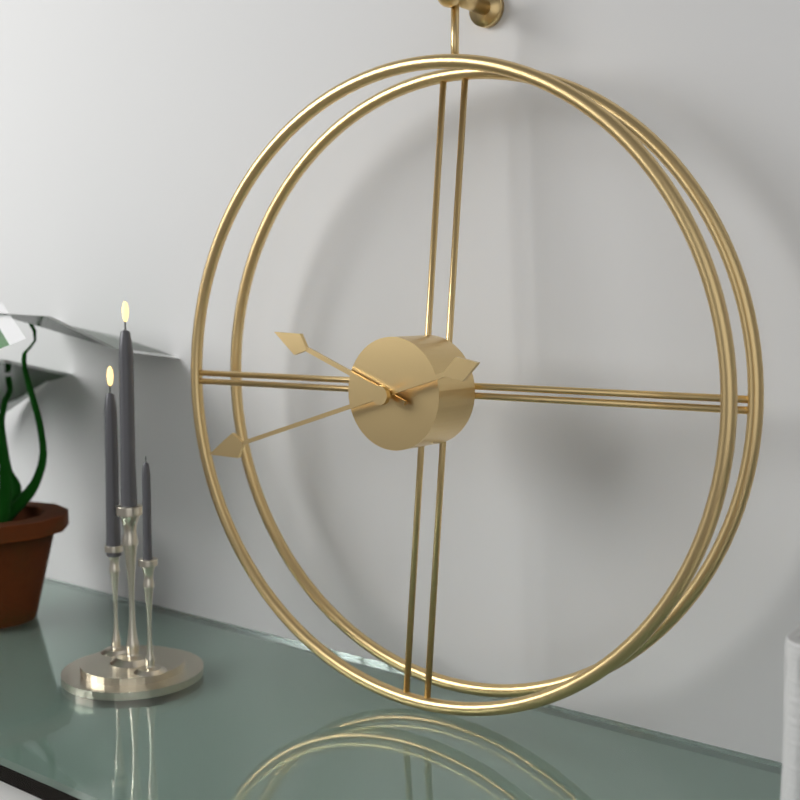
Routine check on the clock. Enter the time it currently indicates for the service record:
9:42
